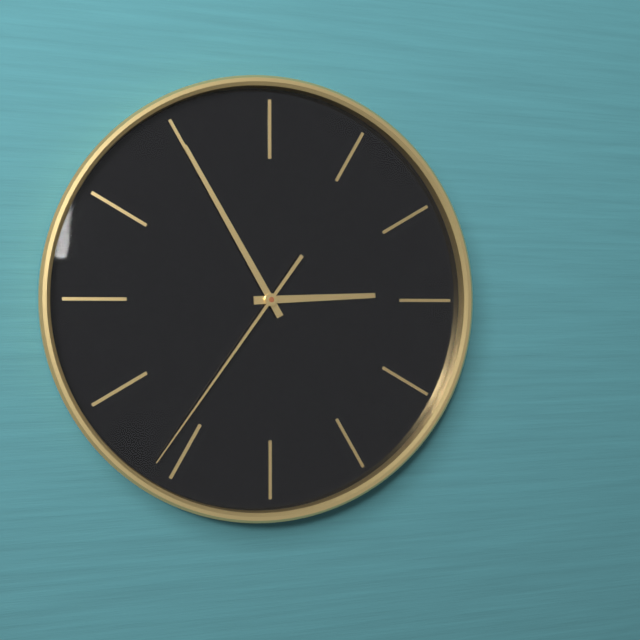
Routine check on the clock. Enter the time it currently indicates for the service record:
2:55:36
